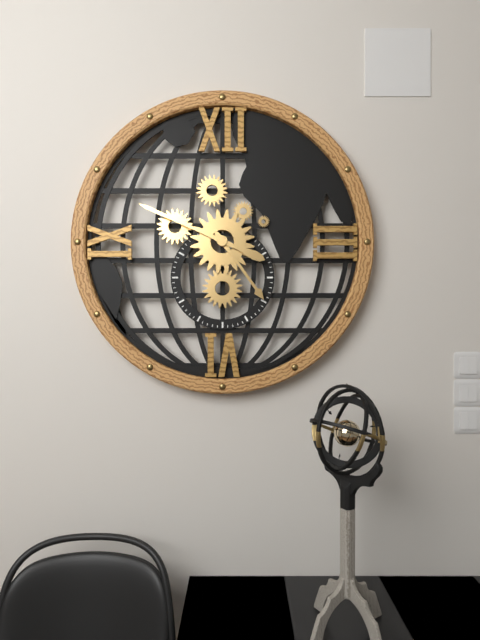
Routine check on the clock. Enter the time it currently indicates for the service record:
4:49
